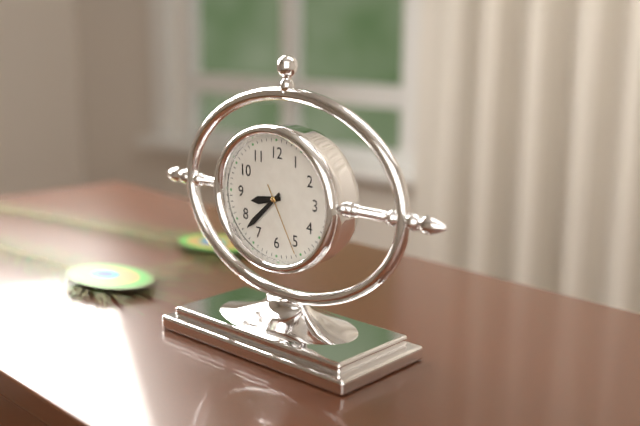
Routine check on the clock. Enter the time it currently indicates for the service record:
8:38:25
